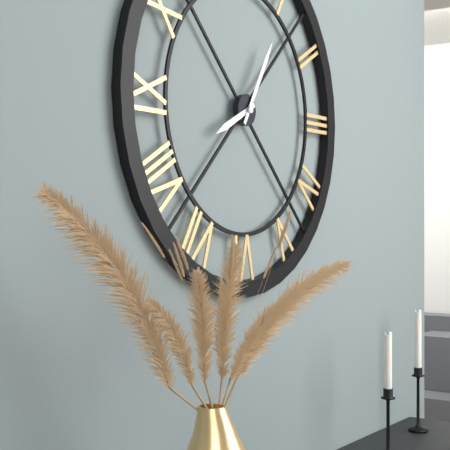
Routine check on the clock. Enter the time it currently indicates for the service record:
8:05
